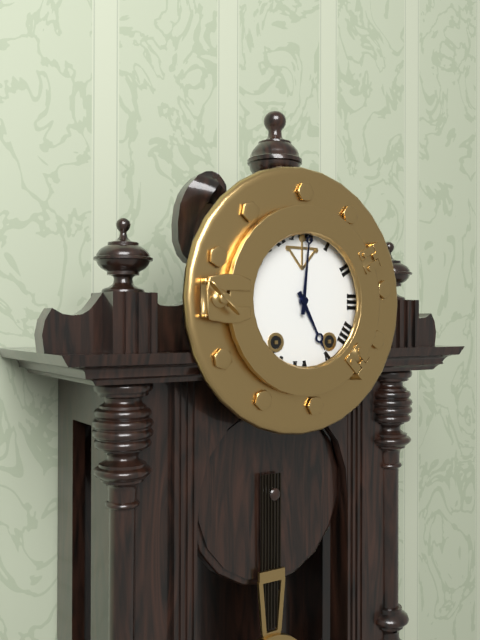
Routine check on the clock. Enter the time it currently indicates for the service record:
5:01
